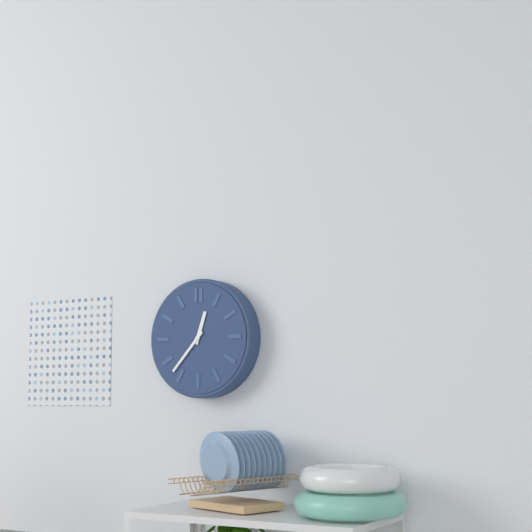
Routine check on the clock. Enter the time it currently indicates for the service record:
12:37
